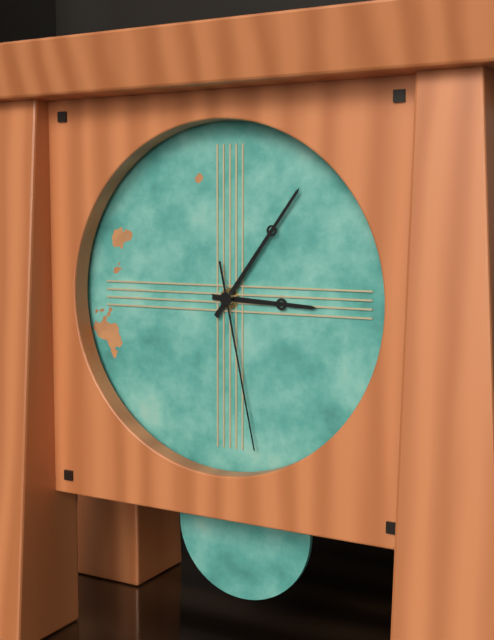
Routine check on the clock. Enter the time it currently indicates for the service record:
3:06:28
